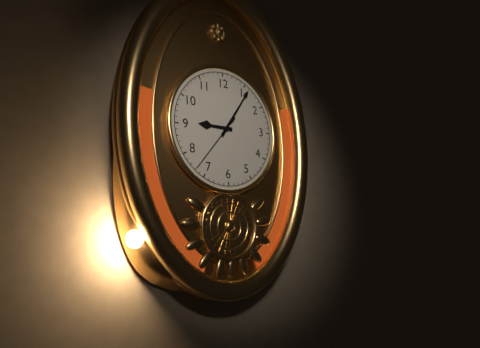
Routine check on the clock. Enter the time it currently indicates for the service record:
9:06:37
